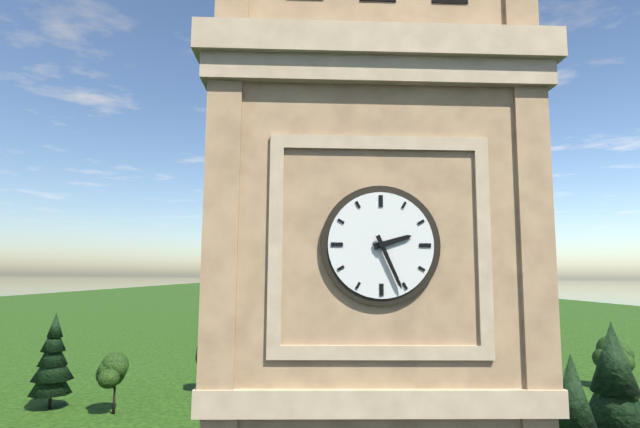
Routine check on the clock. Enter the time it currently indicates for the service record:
2:26
